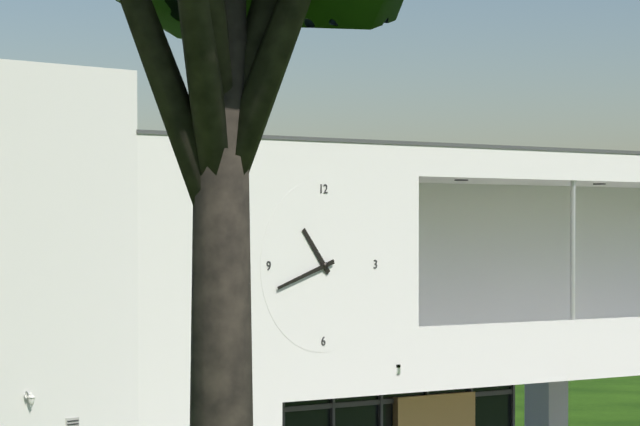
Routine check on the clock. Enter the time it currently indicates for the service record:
10:42
